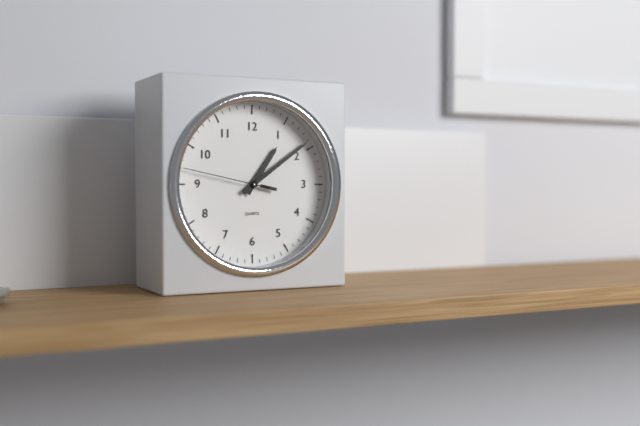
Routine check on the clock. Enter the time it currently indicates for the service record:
1:09:47
